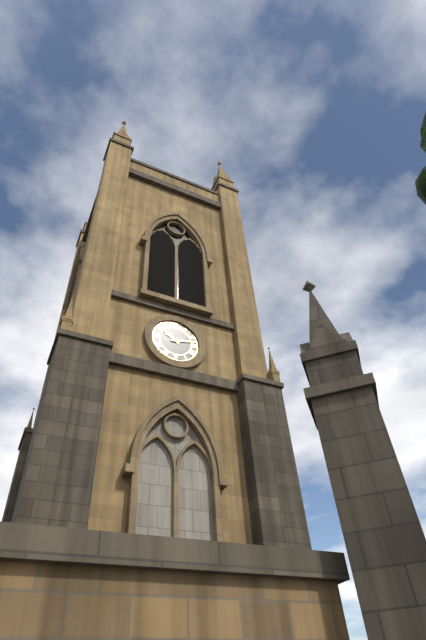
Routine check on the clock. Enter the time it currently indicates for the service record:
10:13
